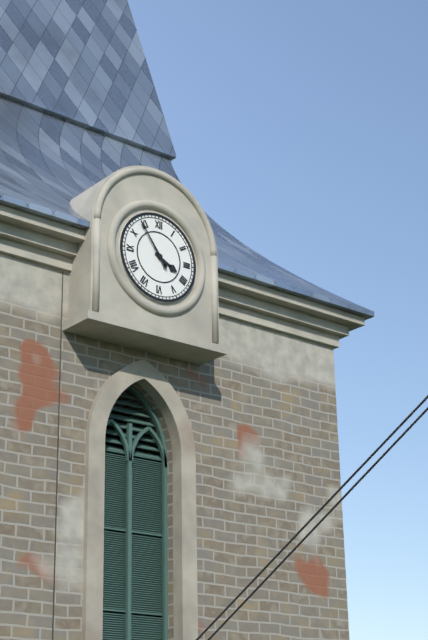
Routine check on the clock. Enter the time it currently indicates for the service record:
3:54
